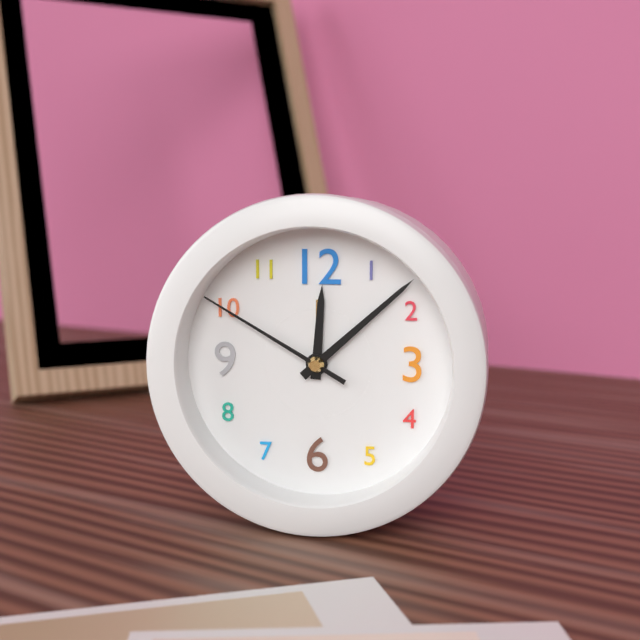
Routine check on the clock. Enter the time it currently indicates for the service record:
12:08:50
